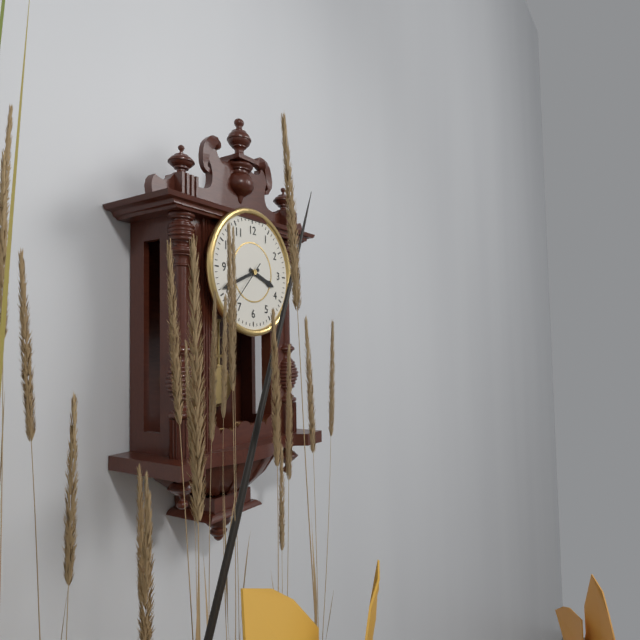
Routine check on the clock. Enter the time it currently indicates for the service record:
3:41:37
